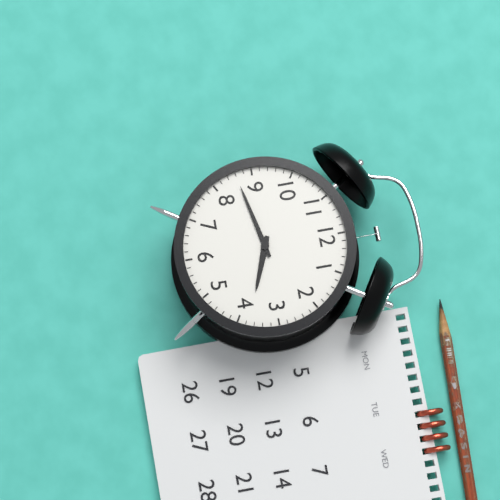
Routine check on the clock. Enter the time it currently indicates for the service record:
3:43
